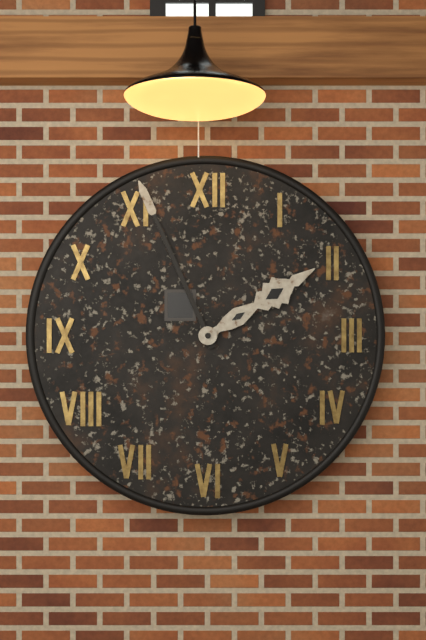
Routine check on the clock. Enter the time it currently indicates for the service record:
1:56
